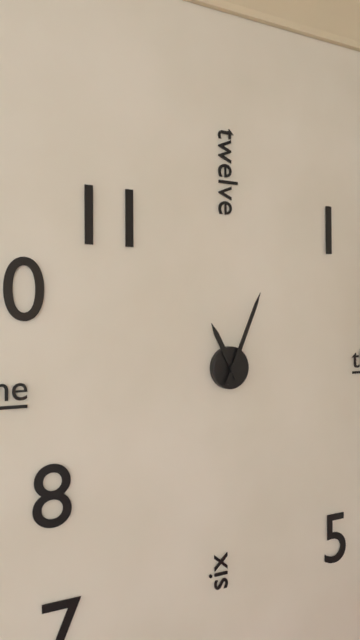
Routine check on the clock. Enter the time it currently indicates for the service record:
11:04
